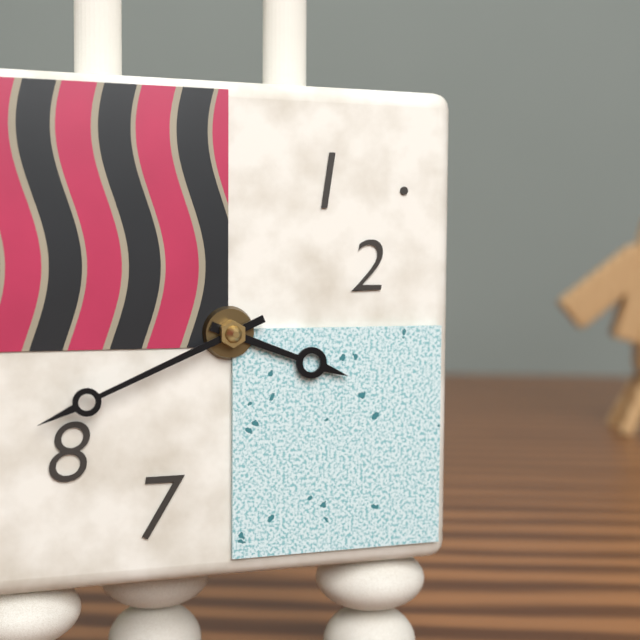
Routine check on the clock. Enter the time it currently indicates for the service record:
3:41
